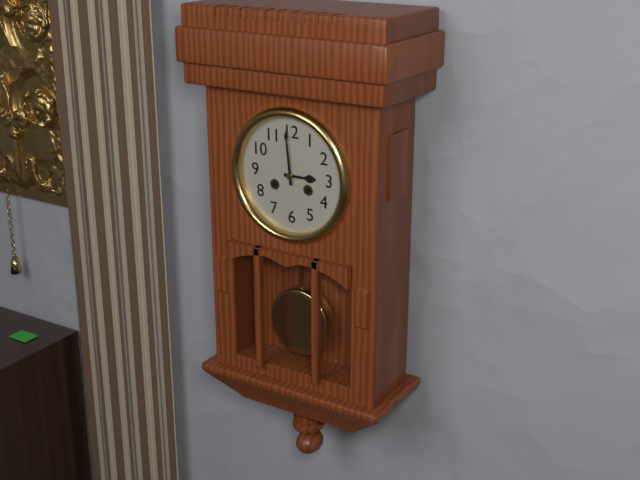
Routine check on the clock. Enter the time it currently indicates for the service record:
2:59
